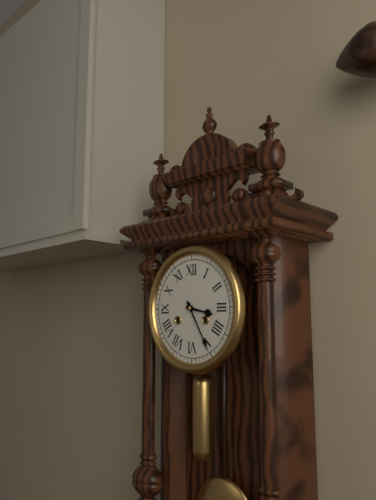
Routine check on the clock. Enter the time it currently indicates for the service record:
3:25
